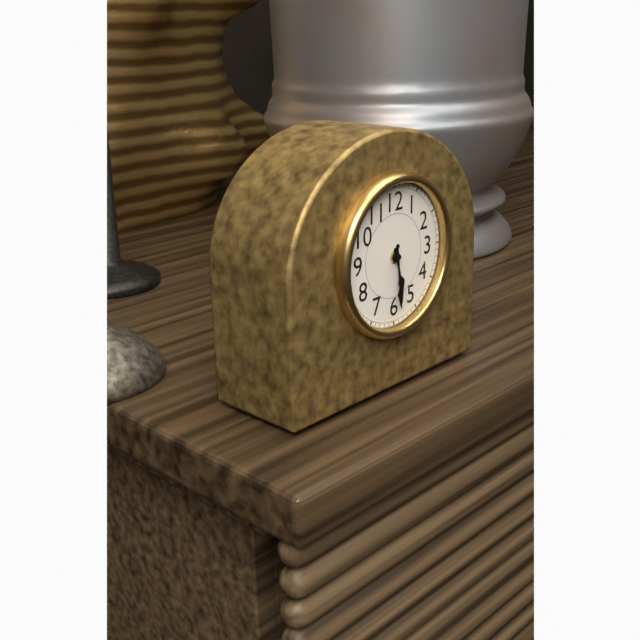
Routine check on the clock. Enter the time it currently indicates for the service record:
5:29
